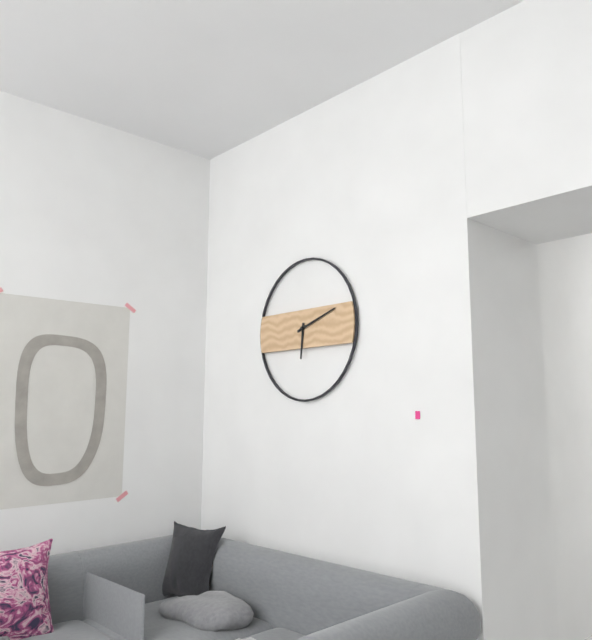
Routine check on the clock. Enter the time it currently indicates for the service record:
6:12
